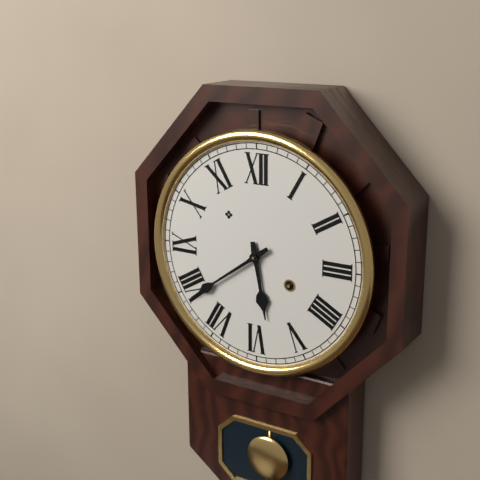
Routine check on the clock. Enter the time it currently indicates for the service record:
5:39
